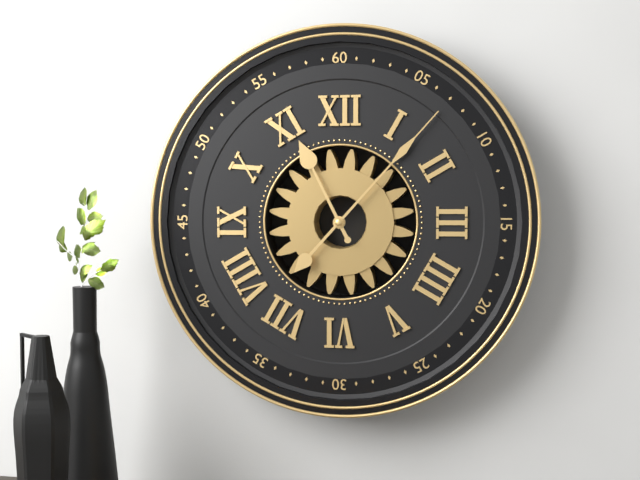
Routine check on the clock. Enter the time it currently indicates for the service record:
11:07
